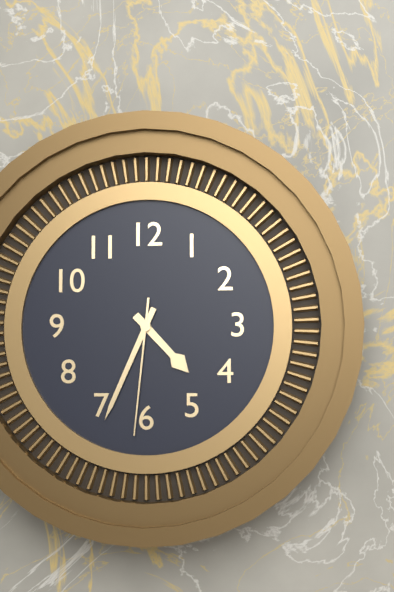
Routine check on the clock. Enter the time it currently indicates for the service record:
4:34:31
